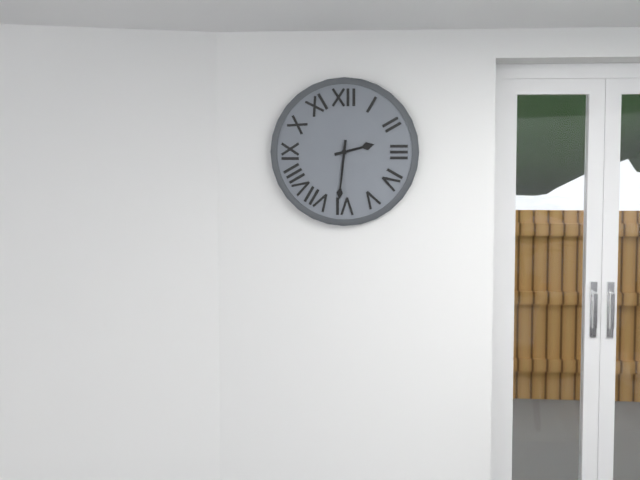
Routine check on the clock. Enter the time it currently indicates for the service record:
2:31
